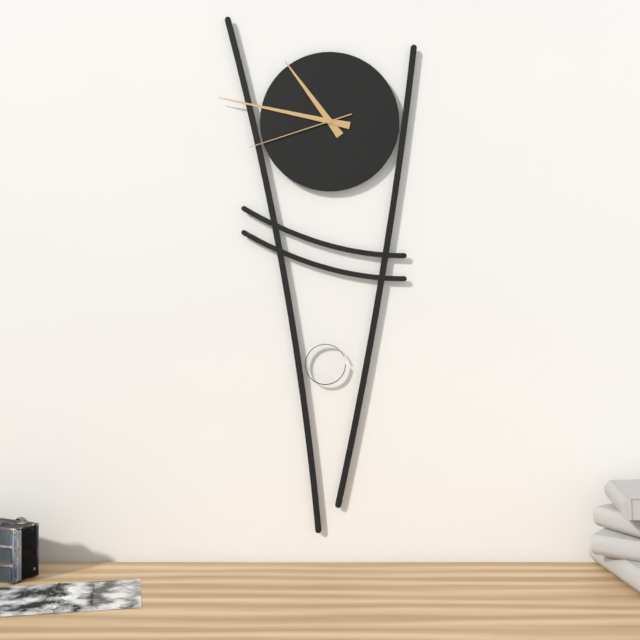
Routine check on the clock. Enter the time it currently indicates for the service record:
10:47:42
